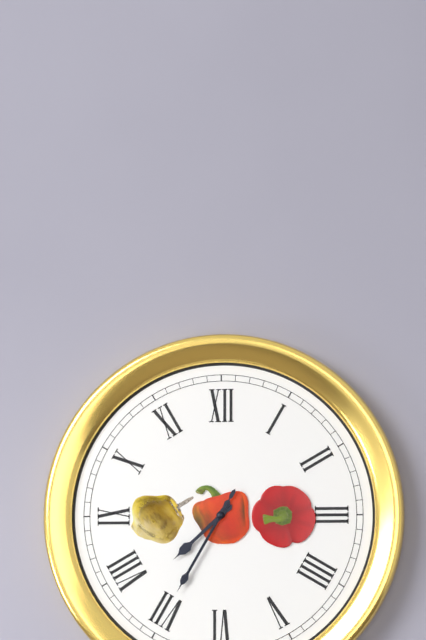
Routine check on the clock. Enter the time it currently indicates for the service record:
7:35:35
